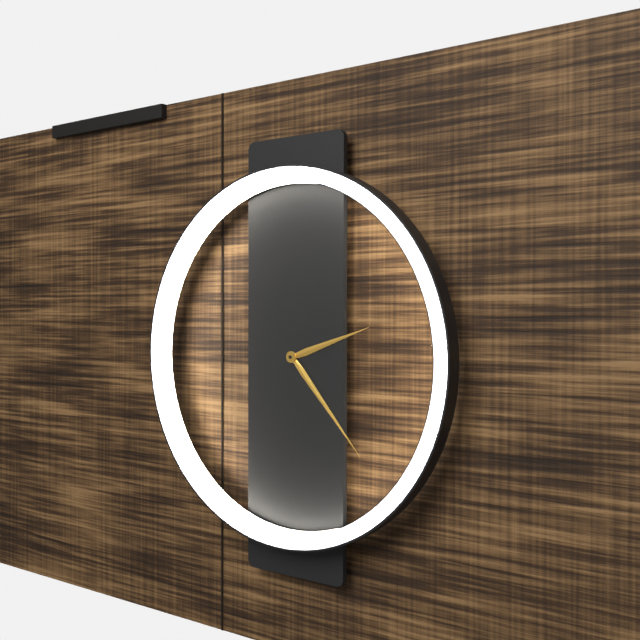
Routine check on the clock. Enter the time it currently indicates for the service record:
2:23
